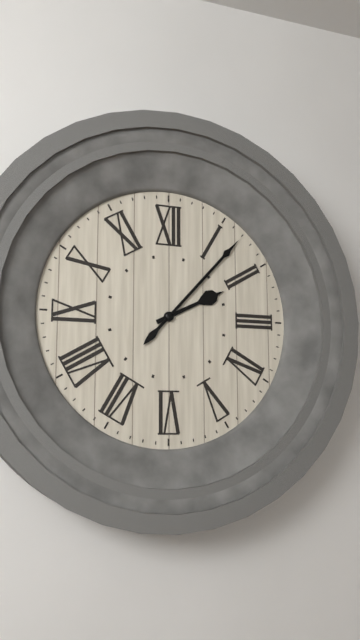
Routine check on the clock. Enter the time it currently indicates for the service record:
2:07
